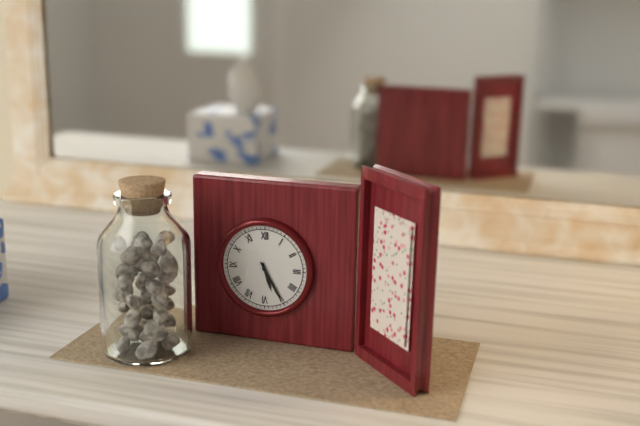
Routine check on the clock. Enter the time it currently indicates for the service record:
5:25
